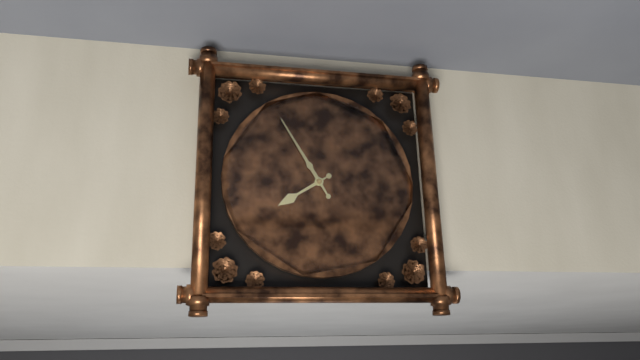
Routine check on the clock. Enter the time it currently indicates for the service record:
7:55
